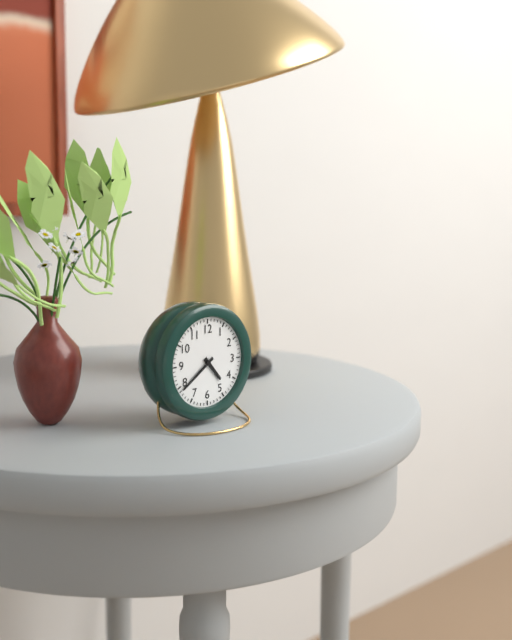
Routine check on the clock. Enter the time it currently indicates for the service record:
4:39
